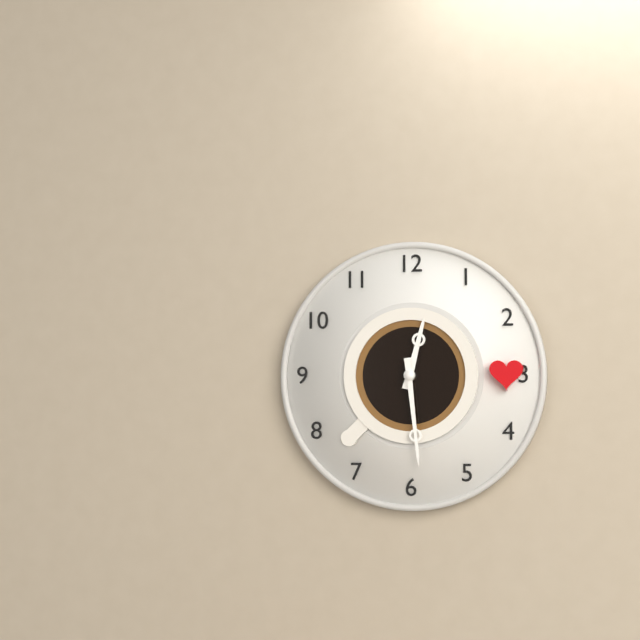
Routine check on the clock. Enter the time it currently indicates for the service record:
12:29
